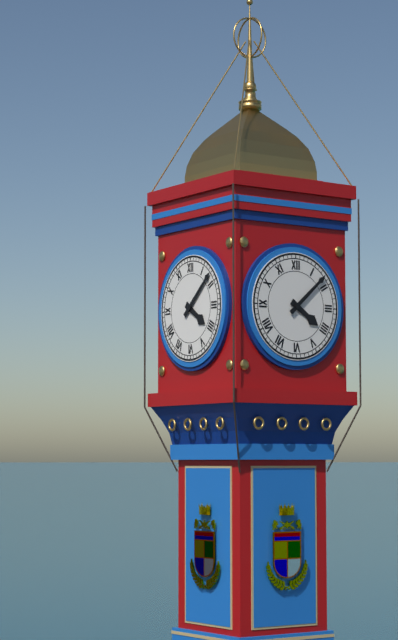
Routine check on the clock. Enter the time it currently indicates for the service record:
4:08
